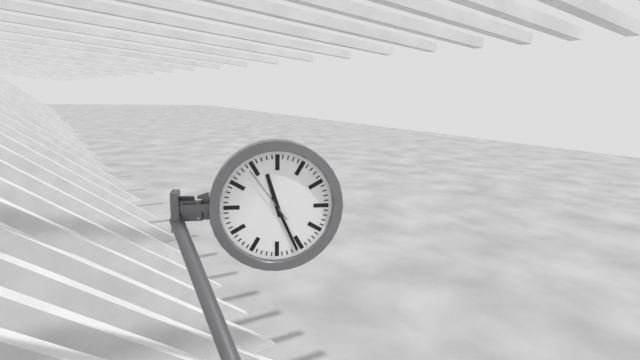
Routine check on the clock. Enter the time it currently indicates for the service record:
11:26:54
